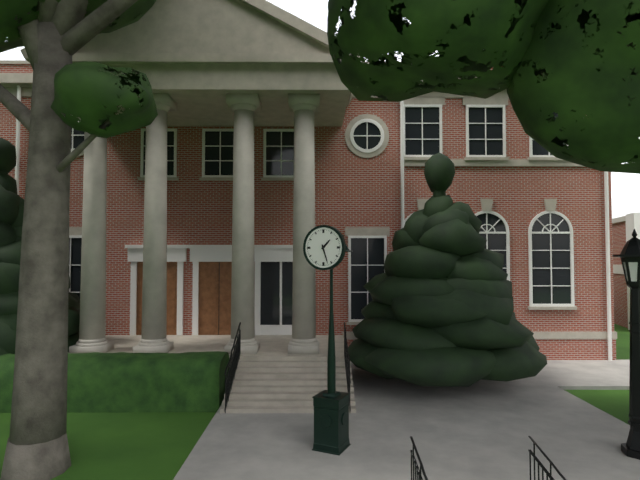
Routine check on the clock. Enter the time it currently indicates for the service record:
1:27
